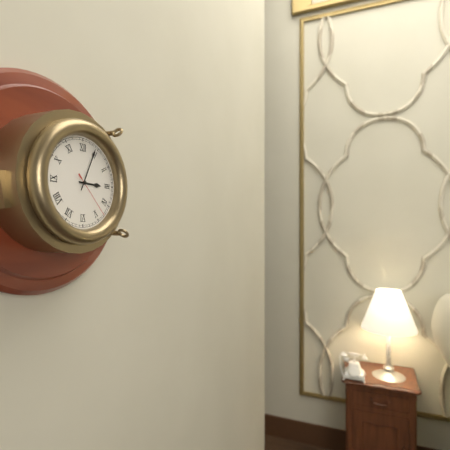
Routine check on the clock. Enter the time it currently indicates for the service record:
3:04
